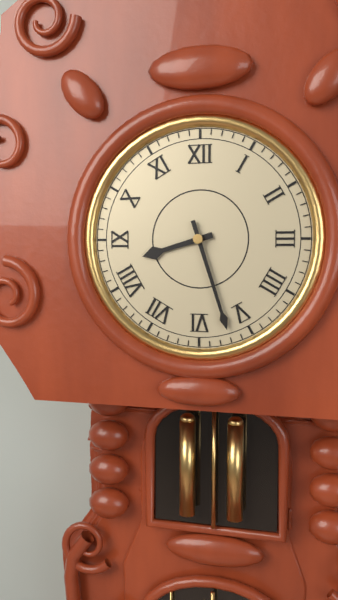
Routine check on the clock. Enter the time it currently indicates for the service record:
8:27
